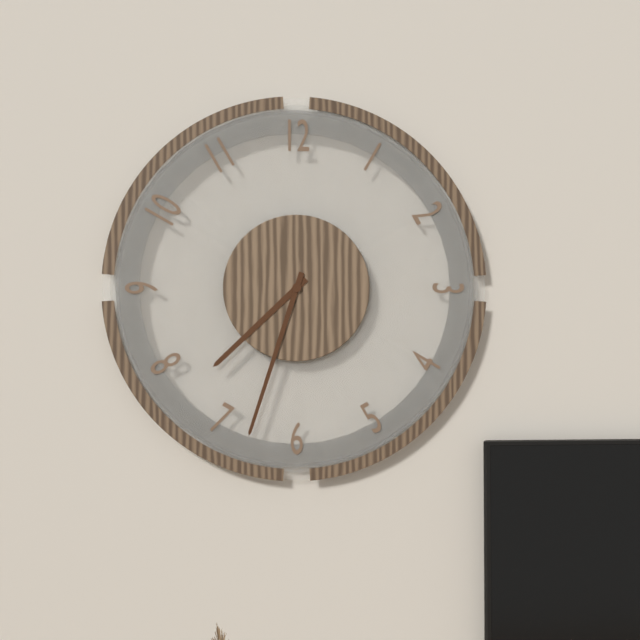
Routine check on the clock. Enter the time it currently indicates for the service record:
7:33
